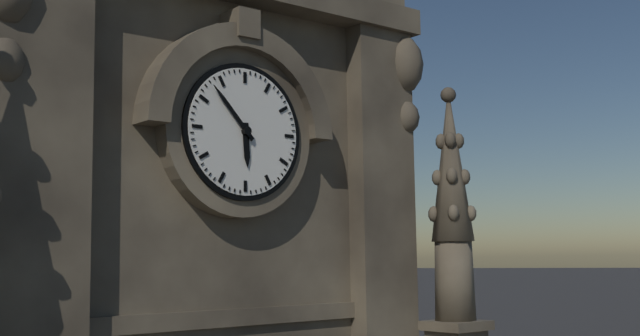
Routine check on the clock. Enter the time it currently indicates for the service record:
5:53
